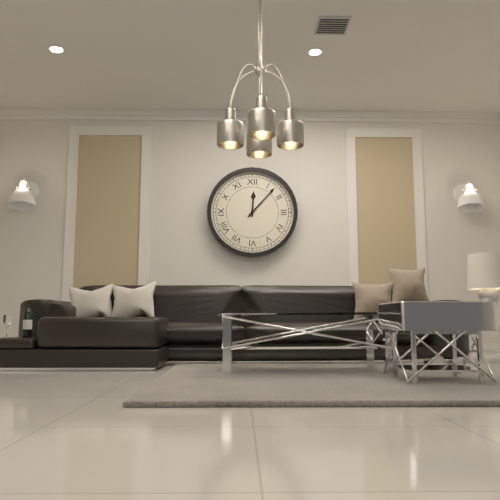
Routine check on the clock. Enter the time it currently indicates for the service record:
12:07
